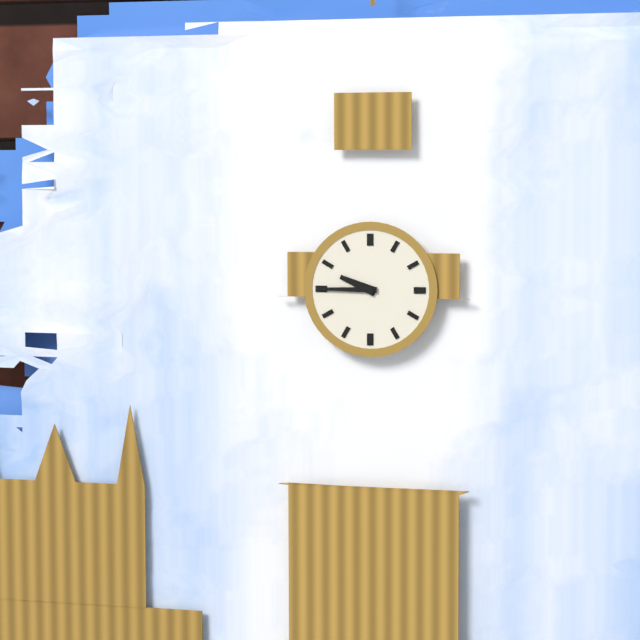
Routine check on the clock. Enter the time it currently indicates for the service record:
9:45
